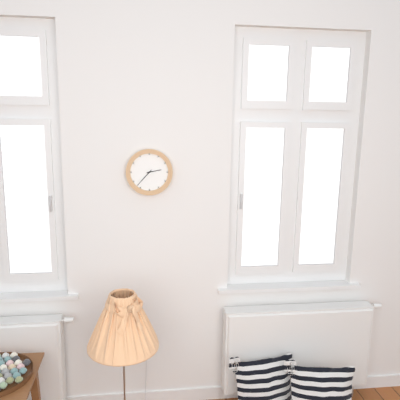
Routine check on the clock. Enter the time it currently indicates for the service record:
2:37
